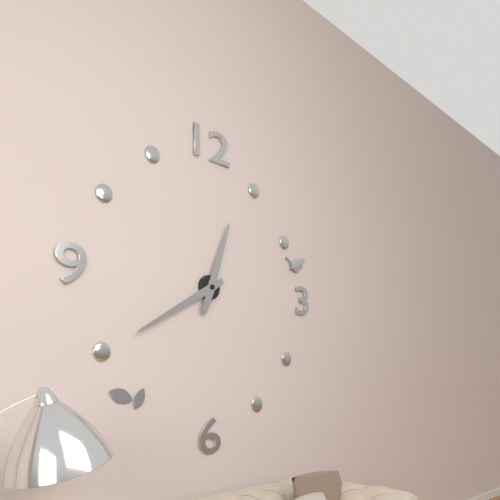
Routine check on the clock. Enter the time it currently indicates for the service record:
12:40
